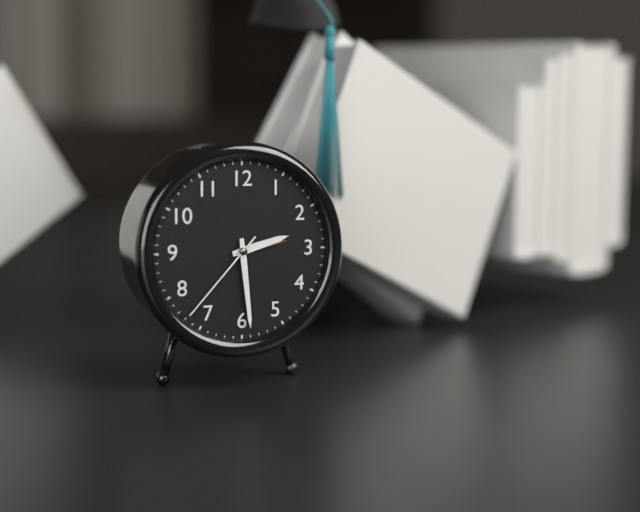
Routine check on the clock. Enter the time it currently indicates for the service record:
2:29:37
